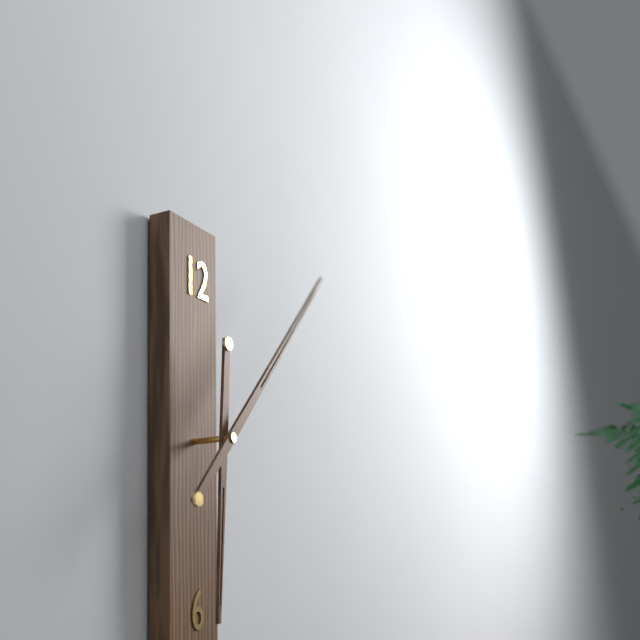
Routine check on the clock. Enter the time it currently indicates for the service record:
6:07
